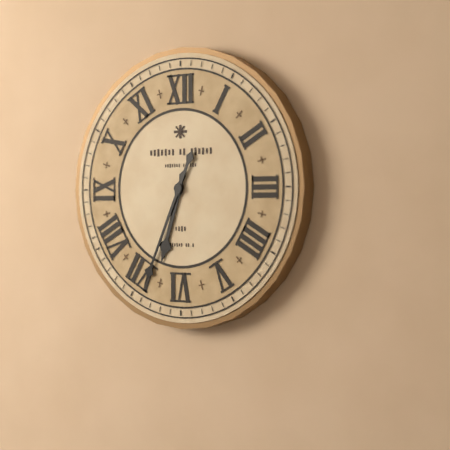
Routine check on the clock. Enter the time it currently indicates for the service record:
6:34
